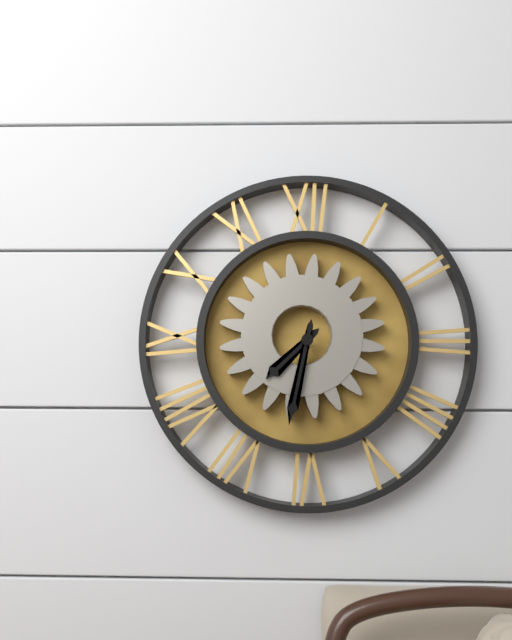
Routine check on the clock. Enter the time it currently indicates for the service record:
7:32
